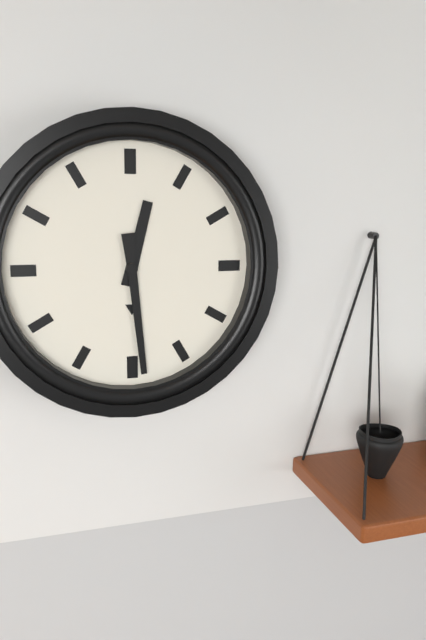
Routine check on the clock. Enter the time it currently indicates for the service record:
12:29
